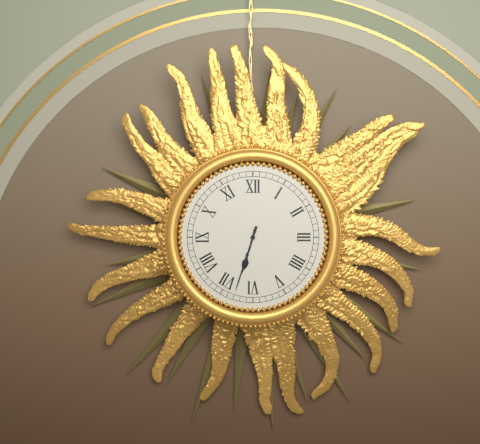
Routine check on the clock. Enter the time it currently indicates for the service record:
6:33
